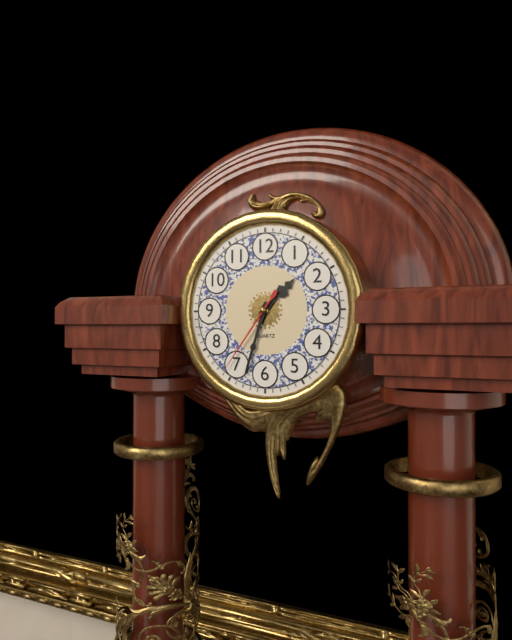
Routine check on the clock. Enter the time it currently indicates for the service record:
1:33:36
